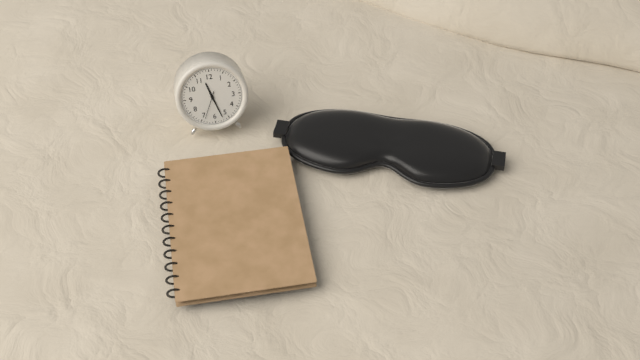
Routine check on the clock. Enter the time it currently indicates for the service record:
11:27
